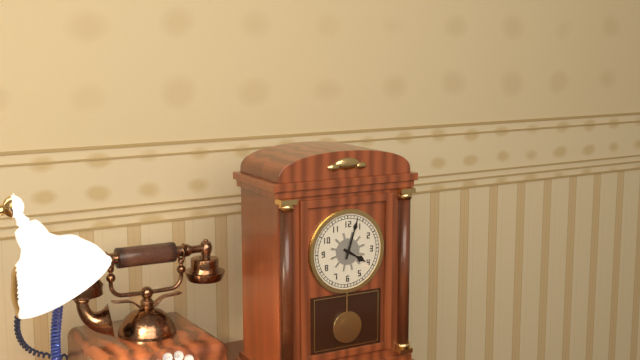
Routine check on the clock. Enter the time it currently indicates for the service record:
4:03
